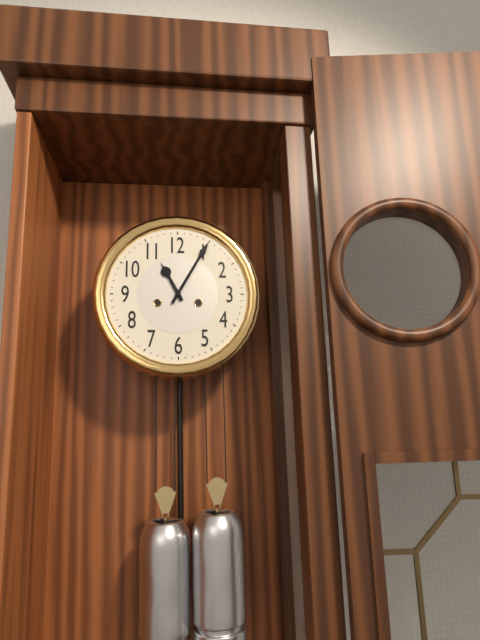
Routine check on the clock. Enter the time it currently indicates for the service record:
11:05
